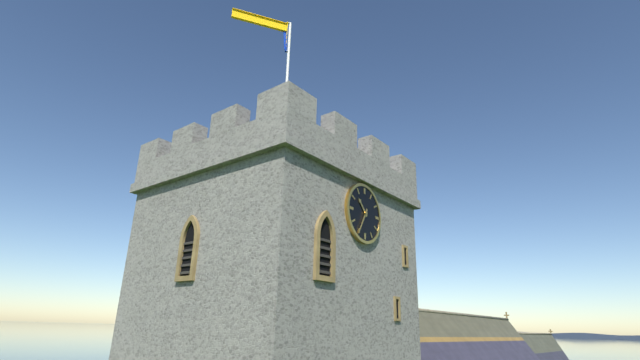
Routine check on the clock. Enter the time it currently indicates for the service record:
10:35
